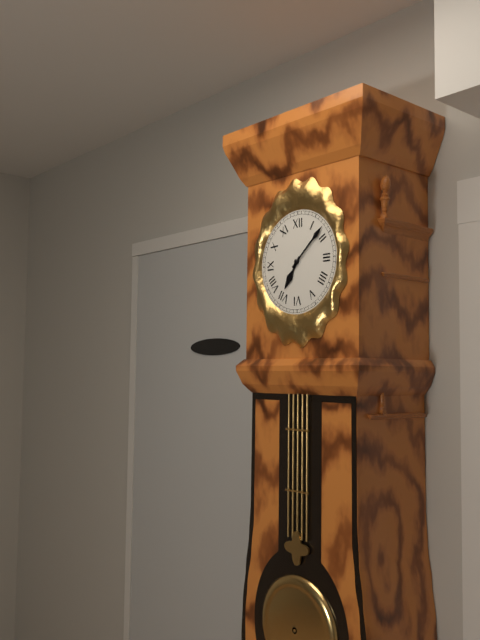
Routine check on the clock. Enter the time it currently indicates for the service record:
7:08
